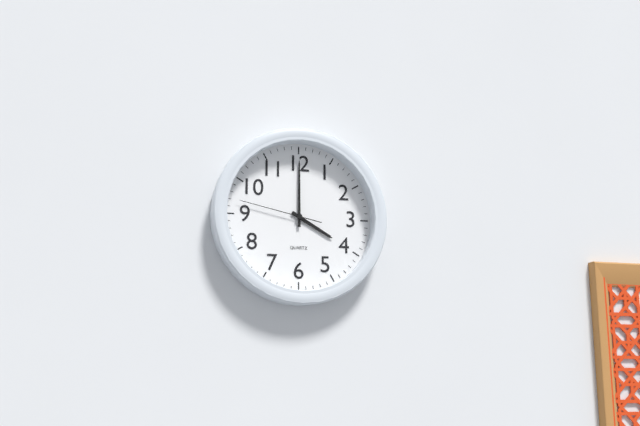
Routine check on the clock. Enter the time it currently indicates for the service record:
4:00:47
